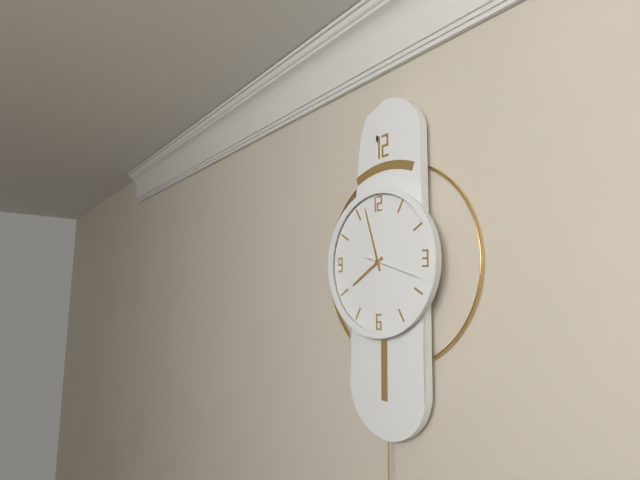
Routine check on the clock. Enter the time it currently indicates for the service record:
7:57
